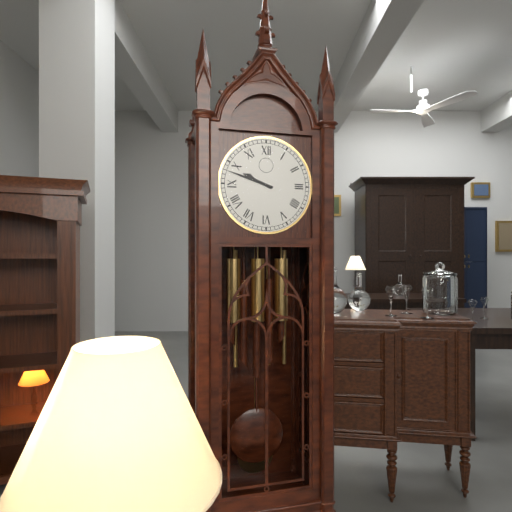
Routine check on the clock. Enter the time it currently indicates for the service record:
9:48
